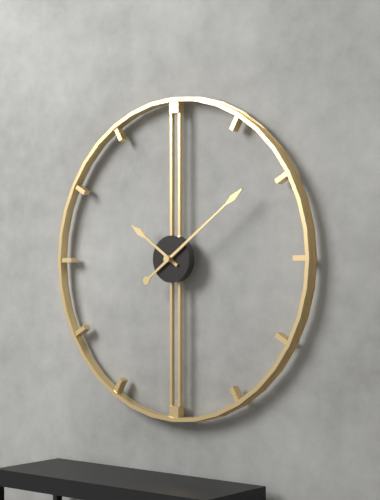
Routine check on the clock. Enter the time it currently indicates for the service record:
10:09
